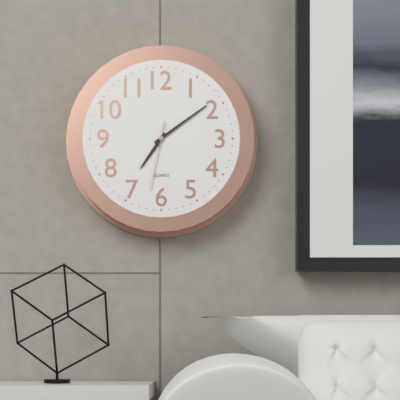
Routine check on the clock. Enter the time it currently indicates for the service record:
7:09:32
